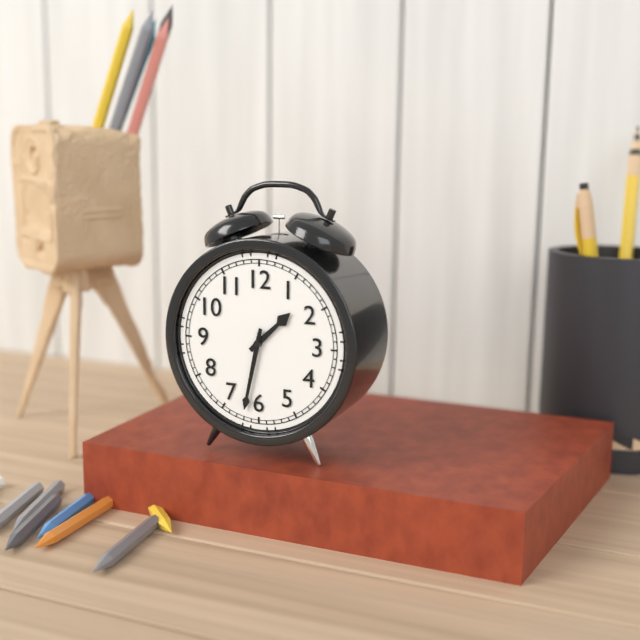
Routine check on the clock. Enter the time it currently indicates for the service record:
1:32
